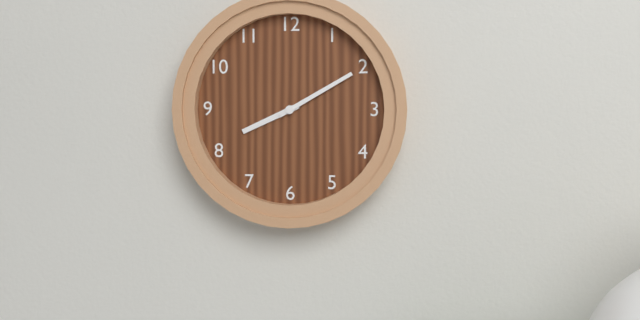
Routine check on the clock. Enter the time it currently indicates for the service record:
8:10
